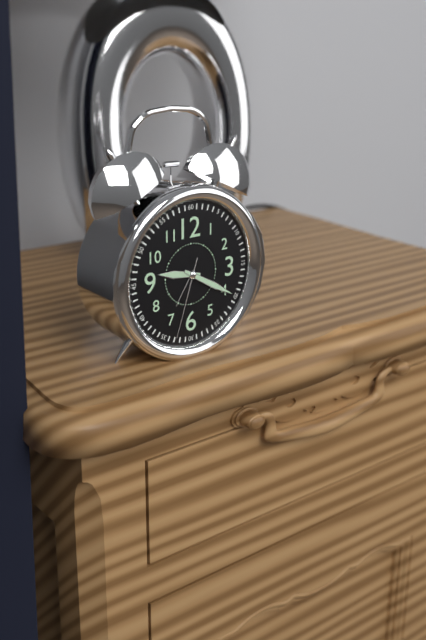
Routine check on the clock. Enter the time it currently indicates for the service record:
9:20:33
